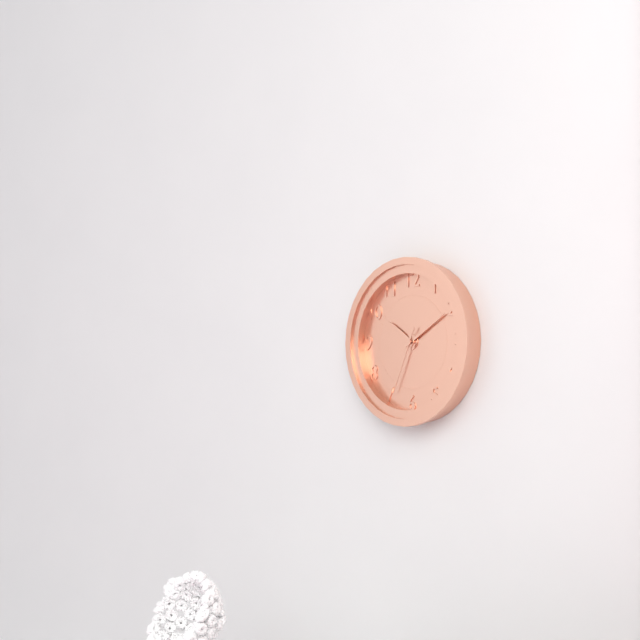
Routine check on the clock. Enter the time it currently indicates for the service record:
10:10:34
